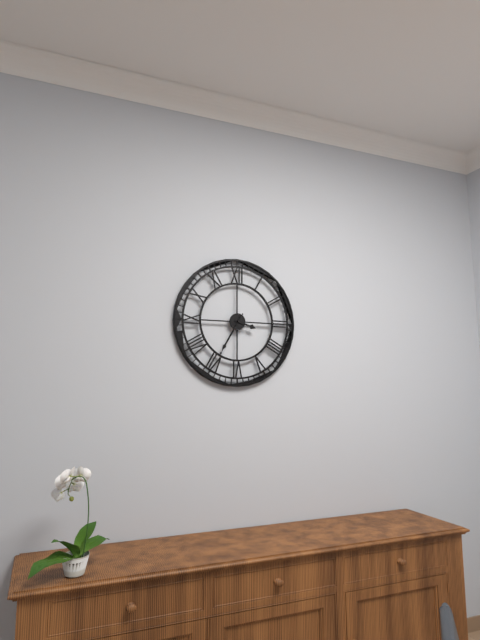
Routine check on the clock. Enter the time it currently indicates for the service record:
3:35
